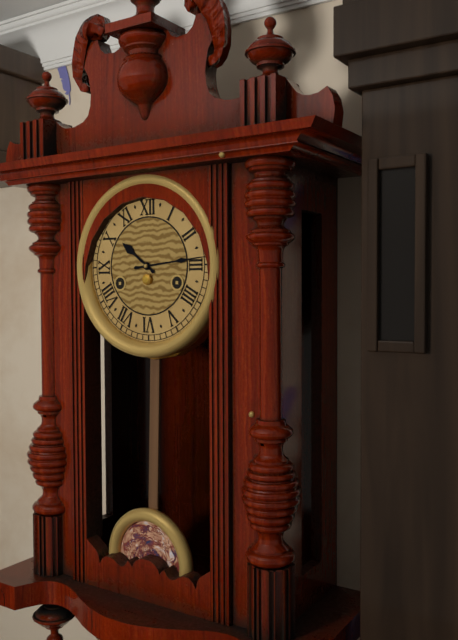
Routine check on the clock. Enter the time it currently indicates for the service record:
10:14
